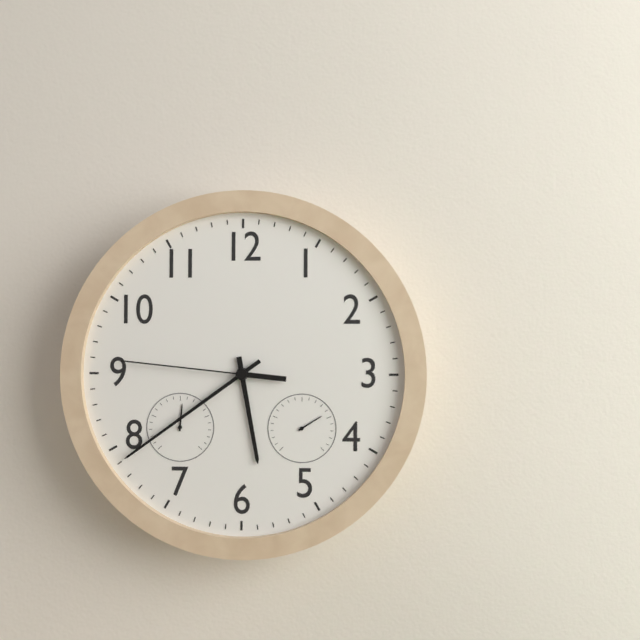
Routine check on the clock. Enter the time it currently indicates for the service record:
5:39:46
